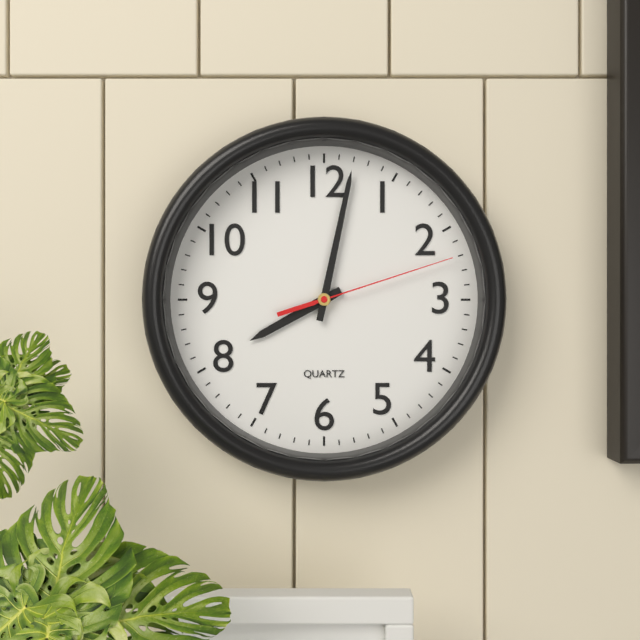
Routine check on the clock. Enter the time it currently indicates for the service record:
8:02:12
